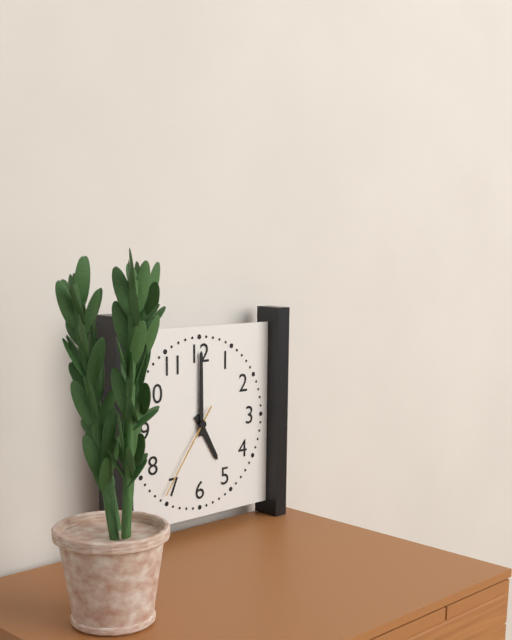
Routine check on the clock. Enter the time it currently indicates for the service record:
5:00:36
